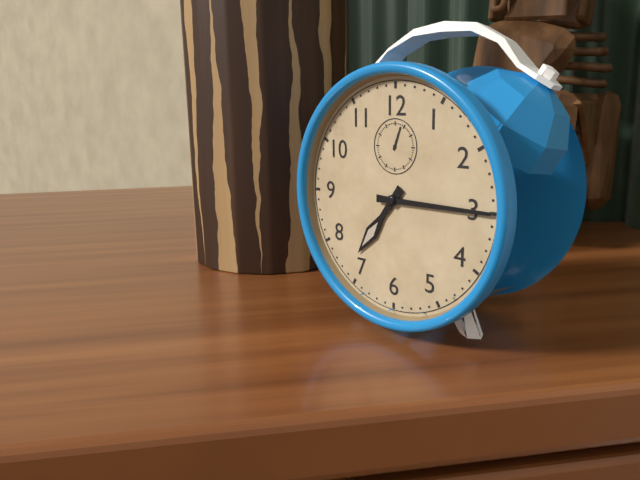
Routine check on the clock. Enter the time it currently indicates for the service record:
7:15
